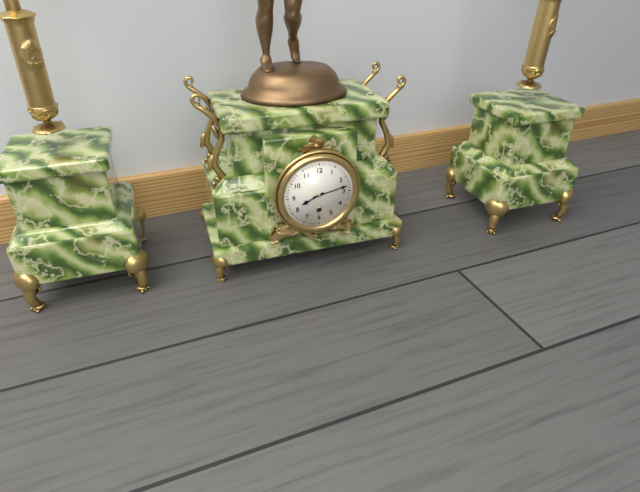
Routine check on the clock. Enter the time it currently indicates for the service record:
8:13
